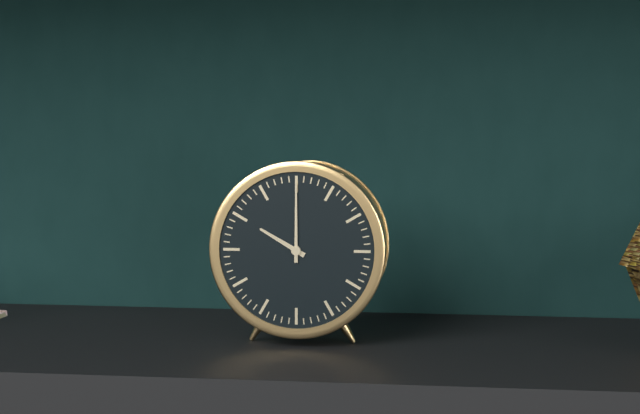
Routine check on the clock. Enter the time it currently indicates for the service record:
10:00
